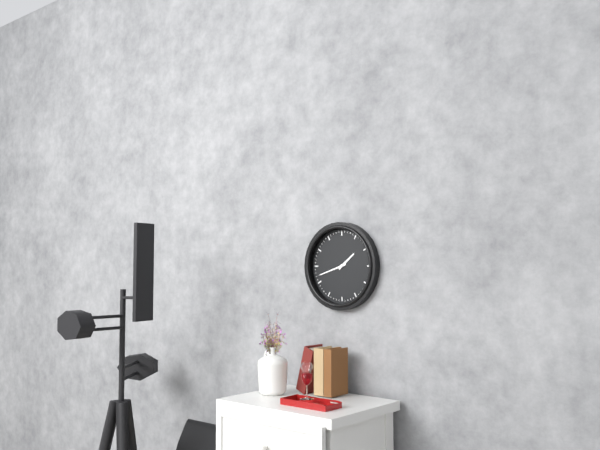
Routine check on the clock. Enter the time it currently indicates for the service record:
1:42
